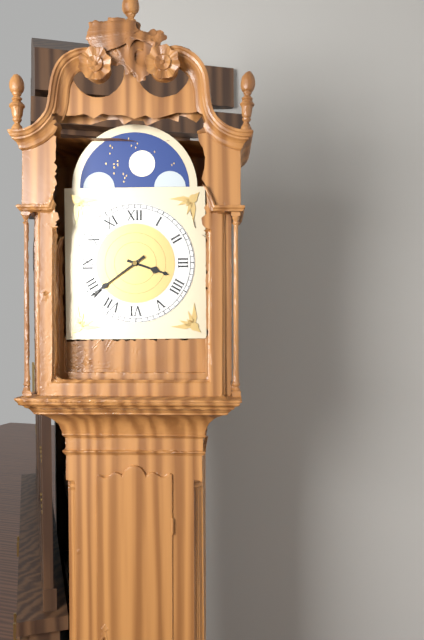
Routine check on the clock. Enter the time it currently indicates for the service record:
3:39
